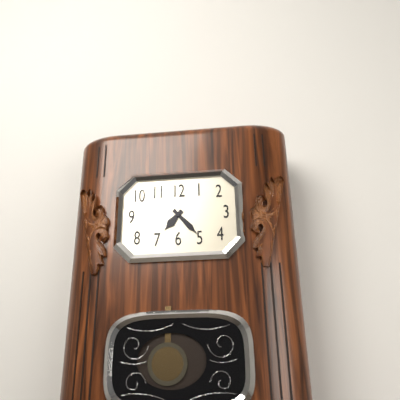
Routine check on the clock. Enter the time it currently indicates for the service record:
7:23
